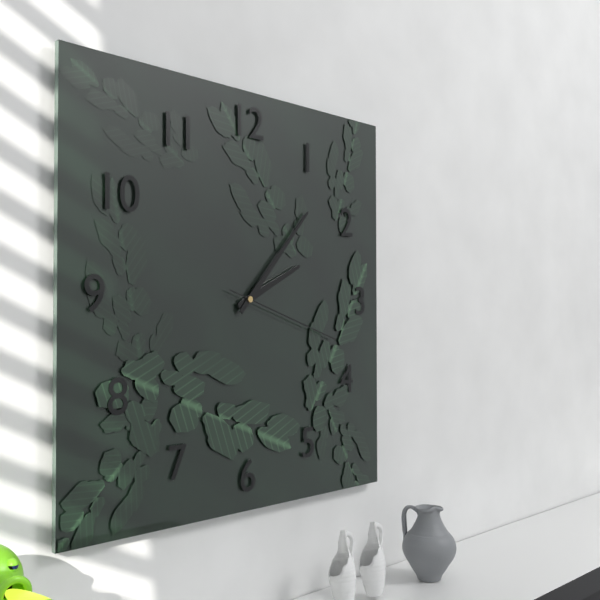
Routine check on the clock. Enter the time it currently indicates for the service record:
2:07:18
